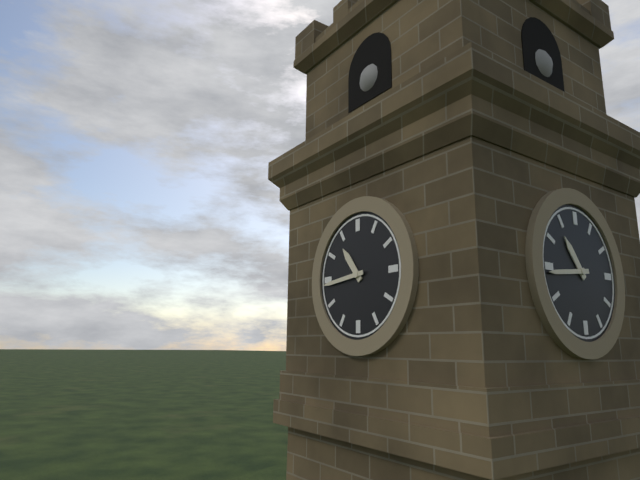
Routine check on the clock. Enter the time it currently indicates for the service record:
10:44
